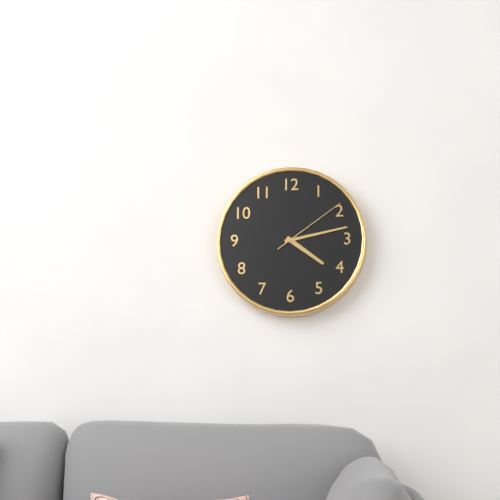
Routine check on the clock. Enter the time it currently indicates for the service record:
4:13:09
